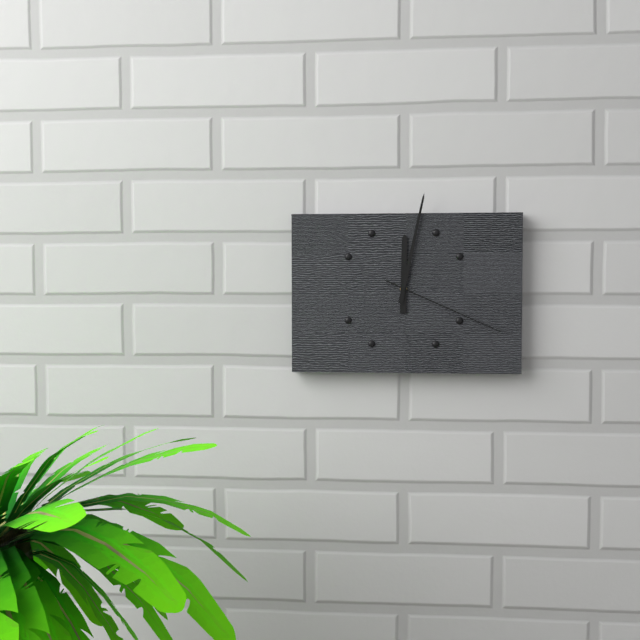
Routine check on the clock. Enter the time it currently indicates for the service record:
12:02:19
